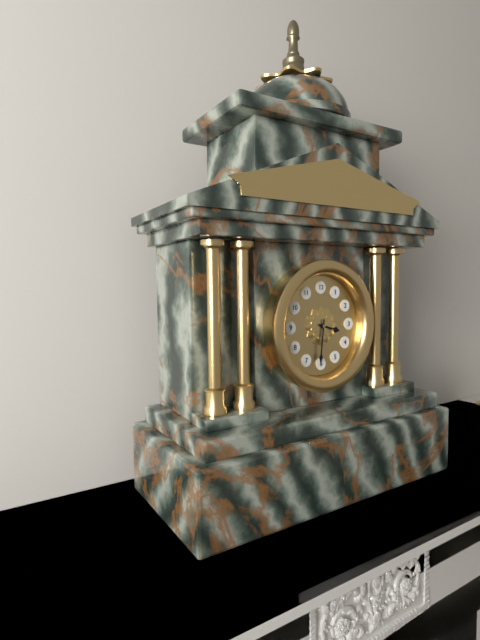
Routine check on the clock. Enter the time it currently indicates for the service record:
3:31
